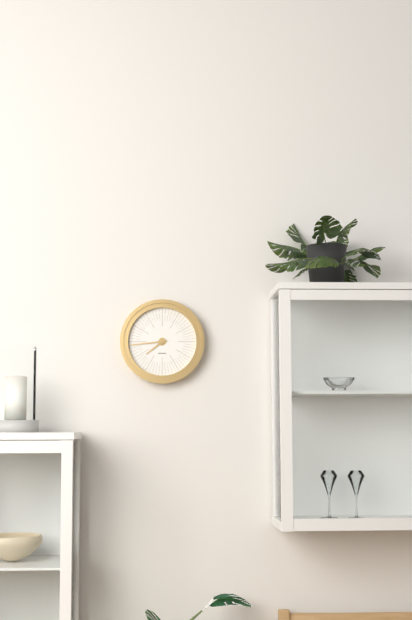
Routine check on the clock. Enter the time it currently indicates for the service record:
7:44
